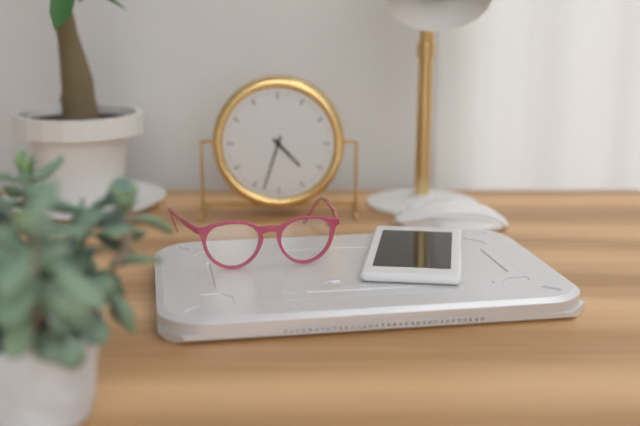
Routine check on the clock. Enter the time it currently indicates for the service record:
4:33
